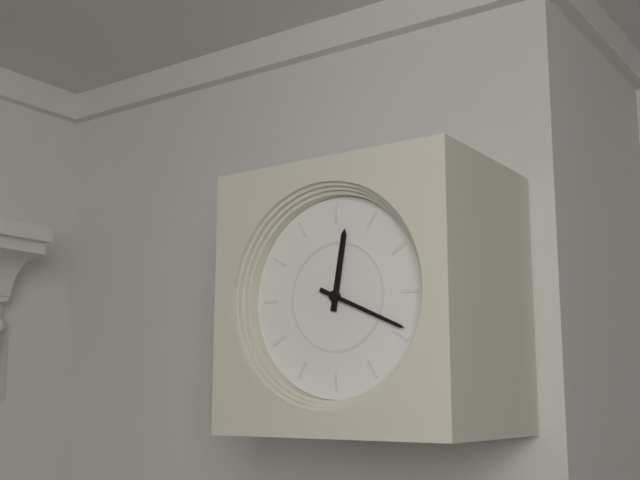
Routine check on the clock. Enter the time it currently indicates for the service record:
12:19
